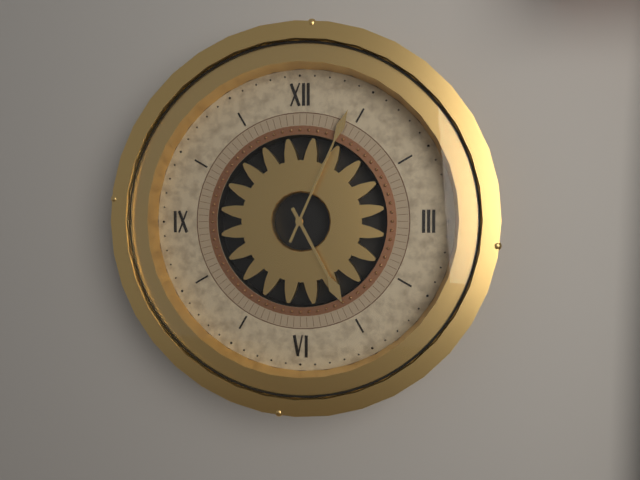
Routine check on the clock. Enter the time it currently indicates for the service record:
5:04
